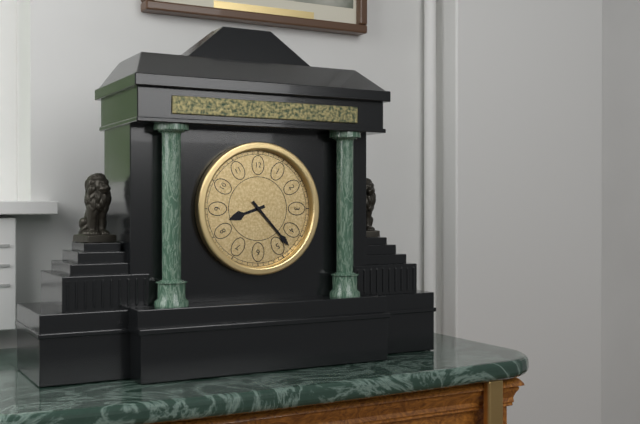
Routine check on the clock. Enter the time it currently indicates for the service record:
8:23
